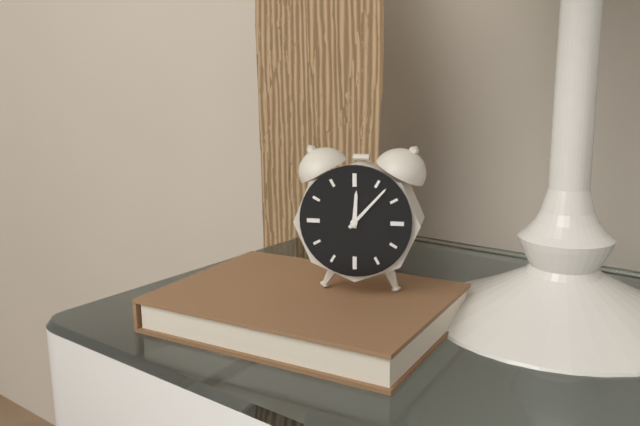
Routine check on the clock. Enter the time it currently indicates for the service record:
12:07
